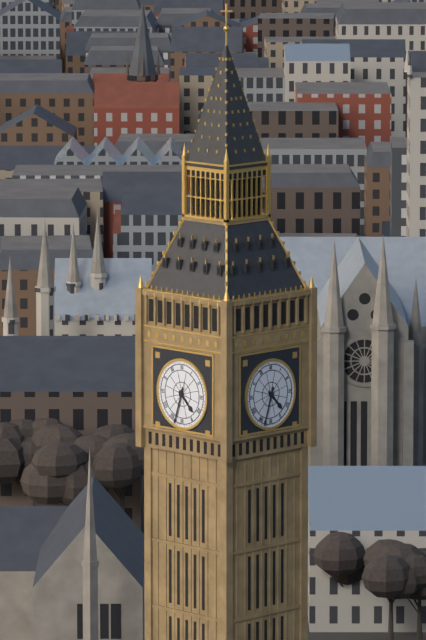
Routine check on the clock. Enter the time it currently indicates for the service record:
4:33
